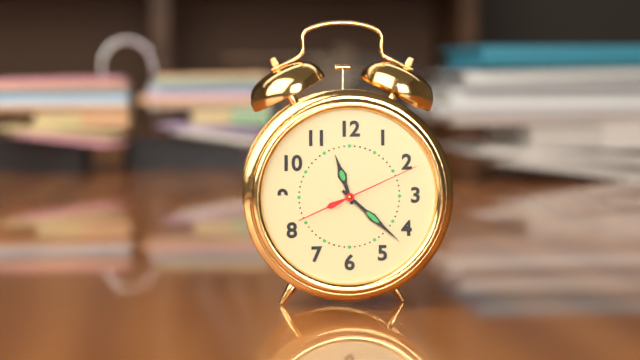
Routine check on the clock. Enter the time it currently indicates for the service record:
11:22:11
